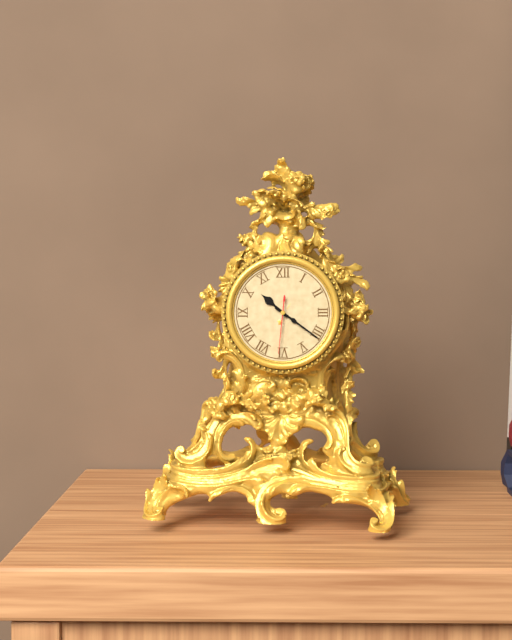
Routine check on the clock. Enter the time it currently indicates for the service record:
10:21:31
